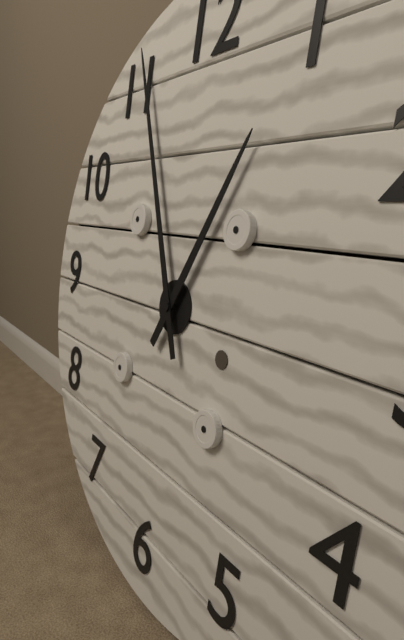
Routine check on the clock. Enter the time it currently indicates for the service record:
12:56
